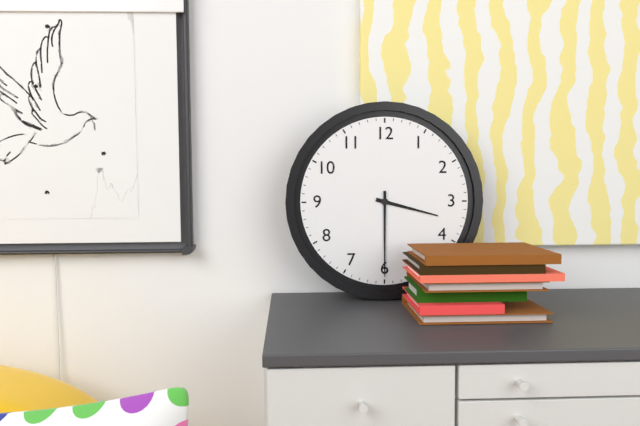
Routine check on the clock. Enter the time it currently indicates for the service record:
3:30
